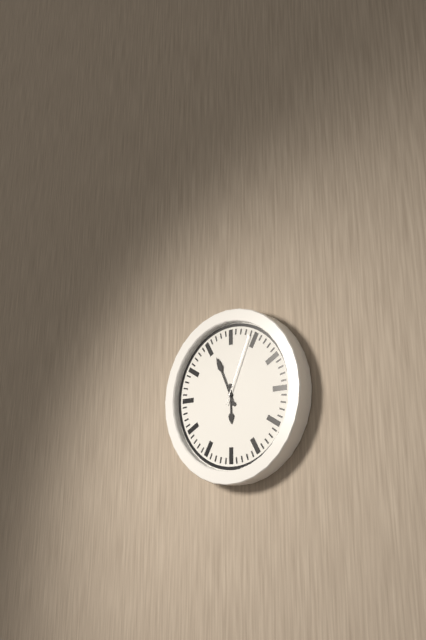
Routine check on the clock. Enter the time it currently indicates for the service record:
5:56:04
